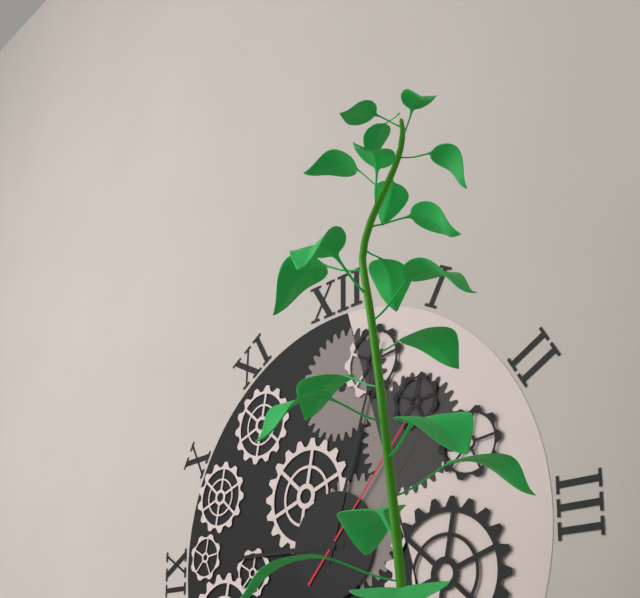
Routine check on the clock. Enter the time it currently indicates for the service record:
9:03:07
